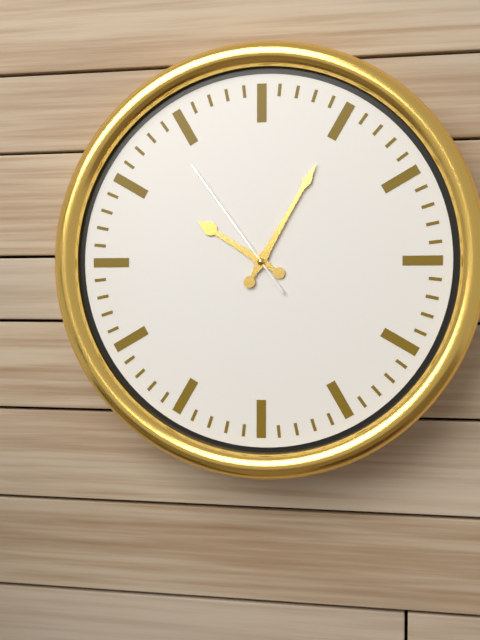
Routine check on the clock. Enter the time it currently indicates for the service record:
10:05:54
